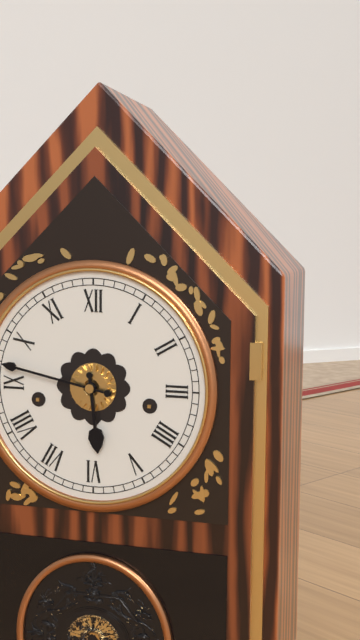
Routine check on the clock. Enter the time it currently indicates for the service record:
5:47
